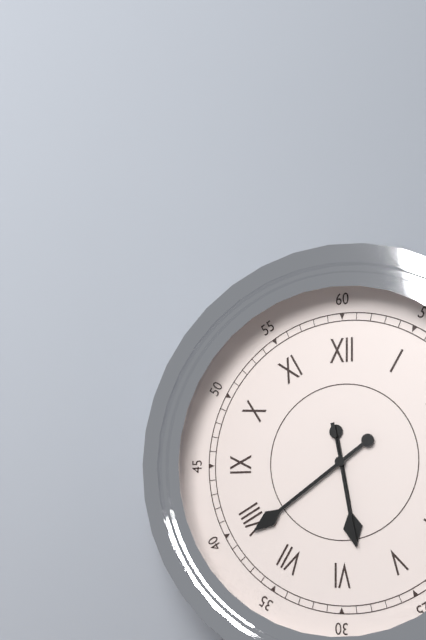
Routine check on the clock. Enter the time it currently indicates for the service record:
5:39:28
